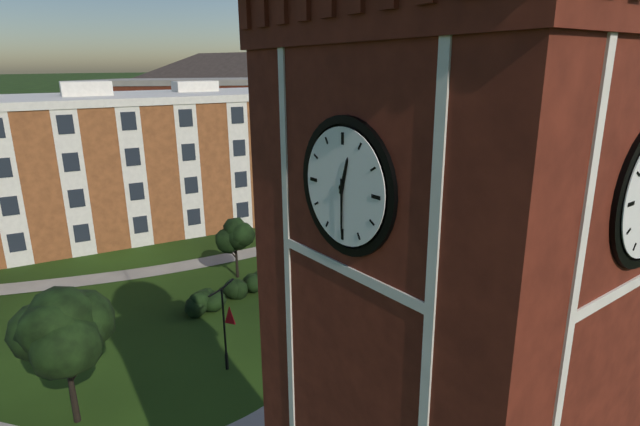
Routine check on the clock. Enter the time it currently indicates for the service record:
12:30
